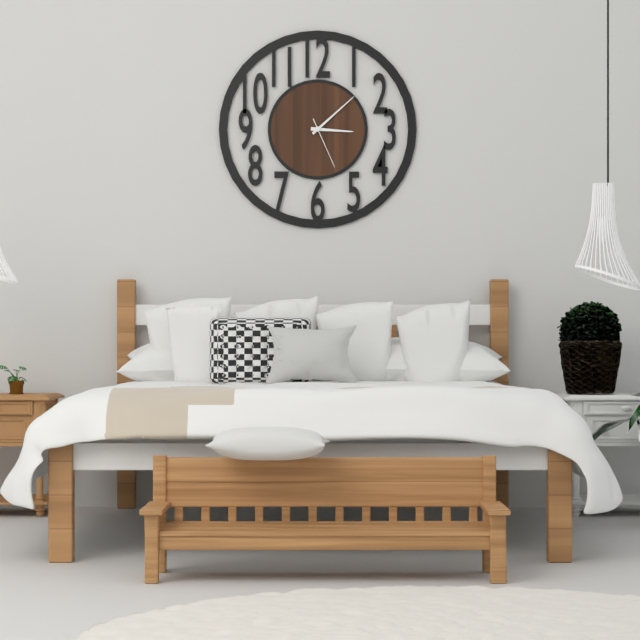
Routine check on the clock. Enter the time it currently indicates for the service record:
3:08:26
